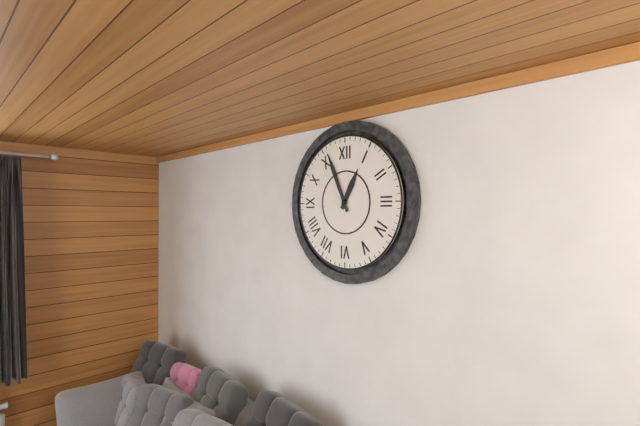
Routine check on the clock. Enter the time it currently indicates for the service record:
12:56
